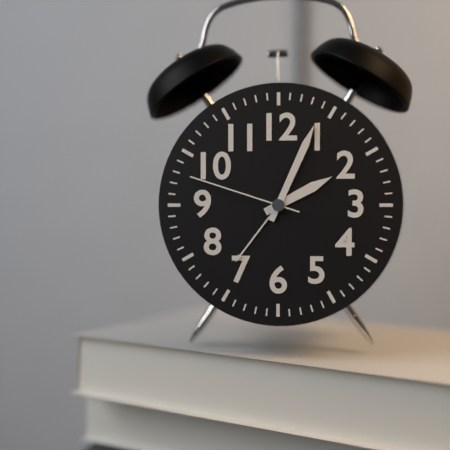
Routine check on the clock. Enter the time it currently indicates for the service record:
2:04:48
